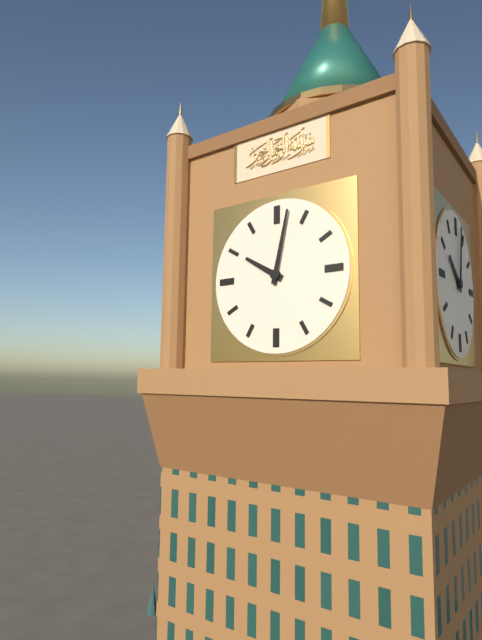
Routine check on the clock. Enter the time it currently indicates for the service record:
10:02
